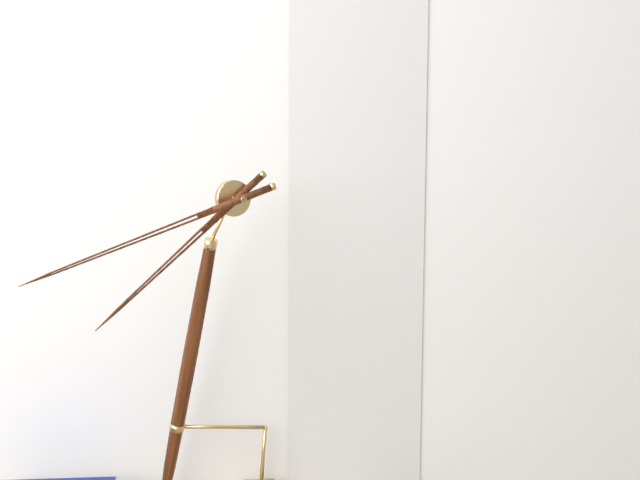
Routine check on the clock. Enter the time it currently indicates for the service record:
7:42
